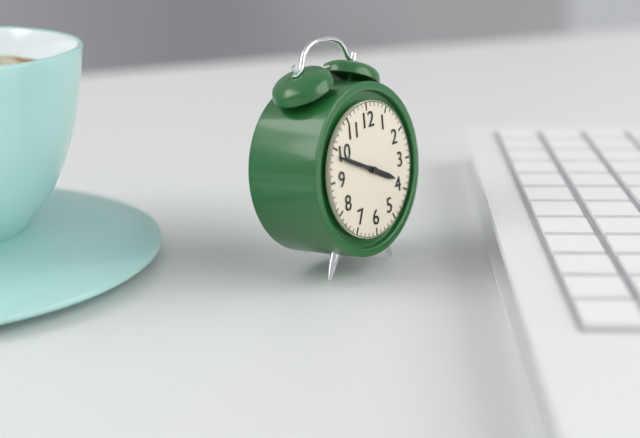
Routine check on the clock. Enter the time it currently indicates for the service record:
3:49
